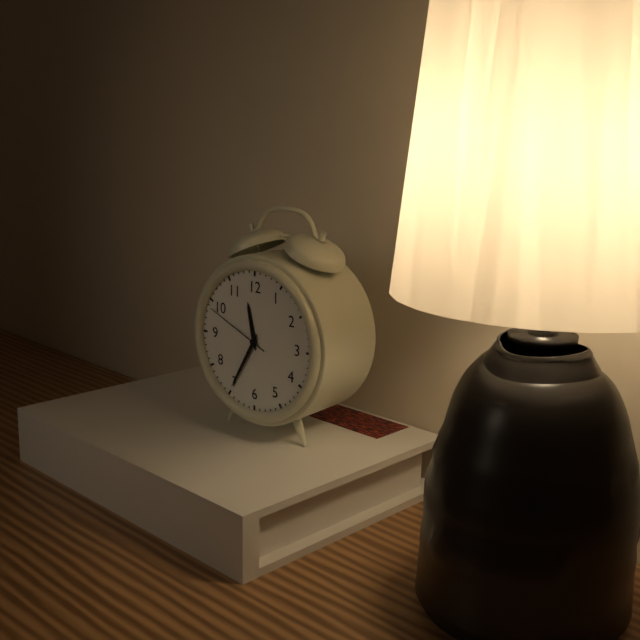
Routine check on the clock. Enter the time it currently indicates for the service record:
11:35:49
